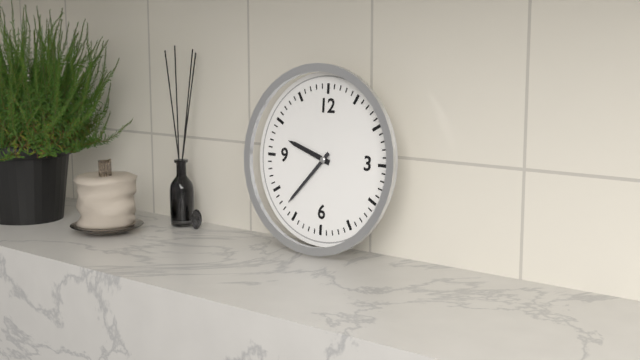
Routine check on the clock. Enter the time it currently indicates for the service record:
9:37
